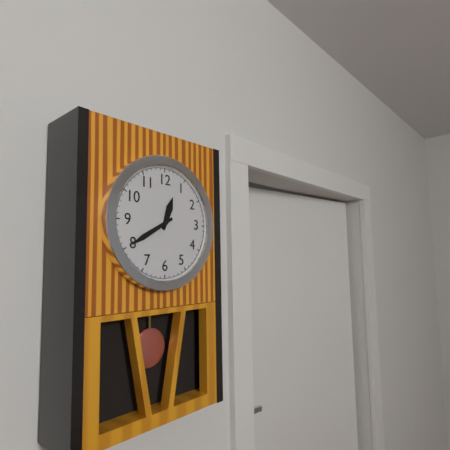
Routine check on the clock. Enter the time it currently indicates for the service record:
12:40
